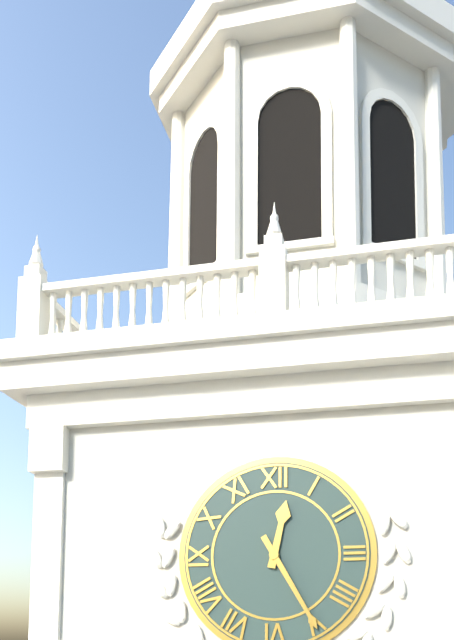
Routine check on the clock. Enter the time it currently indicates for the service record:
12:25
